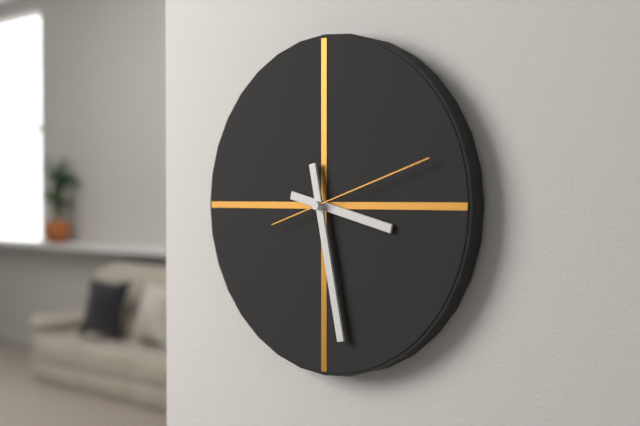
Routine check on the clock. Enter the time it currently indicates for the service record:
3:28:12
